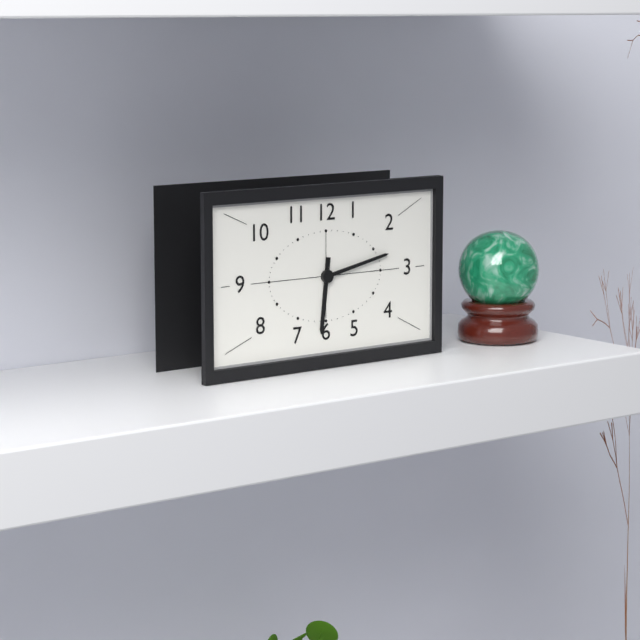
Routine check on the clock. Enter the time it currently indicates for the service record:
6:13
